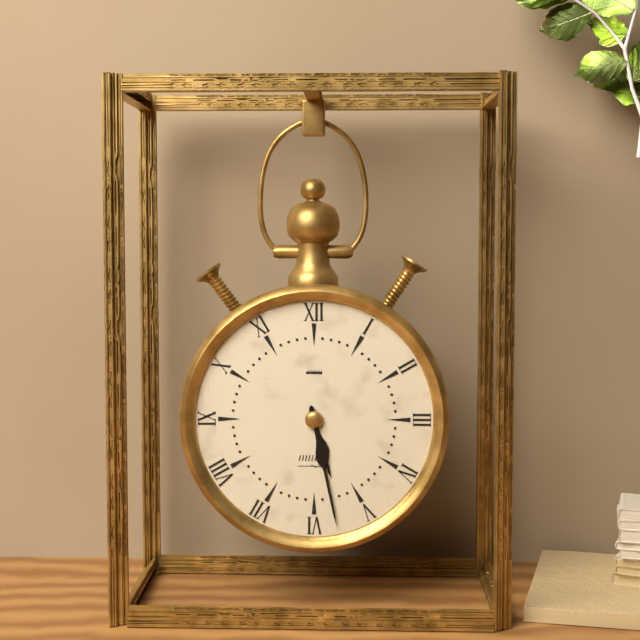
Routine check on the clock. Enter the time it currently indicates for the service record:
5:28
